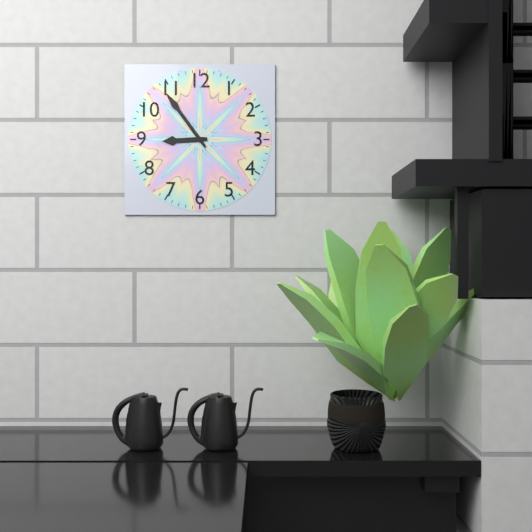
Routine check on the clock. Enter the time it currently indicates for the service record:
8:54
